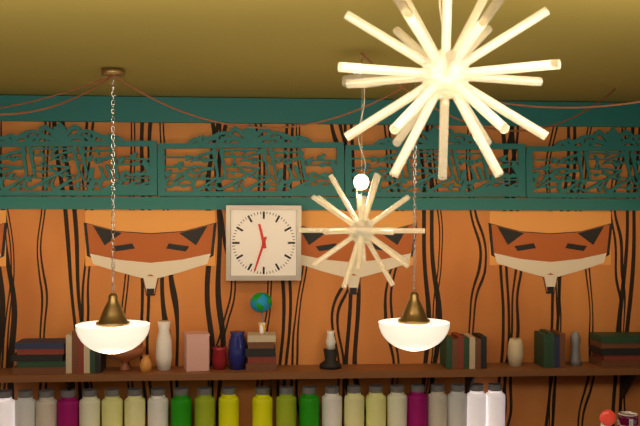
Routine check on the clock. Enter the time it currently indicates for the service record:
11:33
